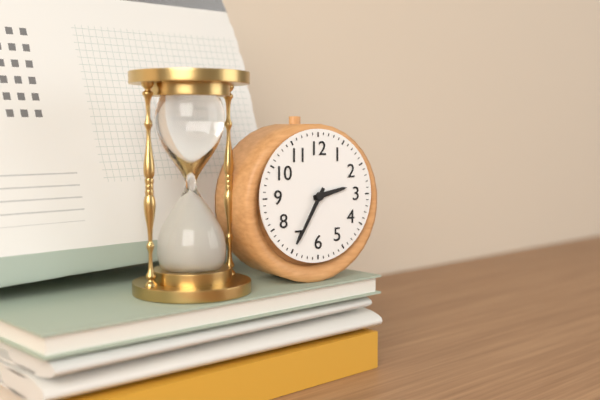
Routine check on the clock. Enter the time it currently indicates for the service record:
2:35
